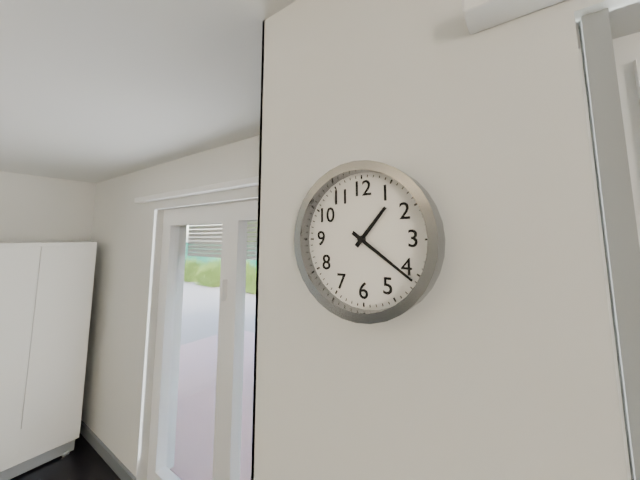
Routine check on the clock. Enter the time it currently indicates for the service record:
1:21
